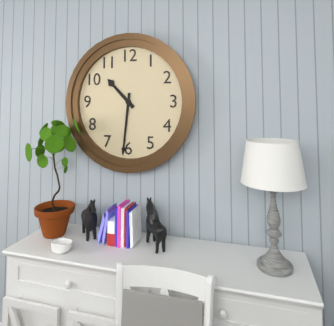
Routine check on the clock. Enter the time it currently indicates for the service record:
10:31
